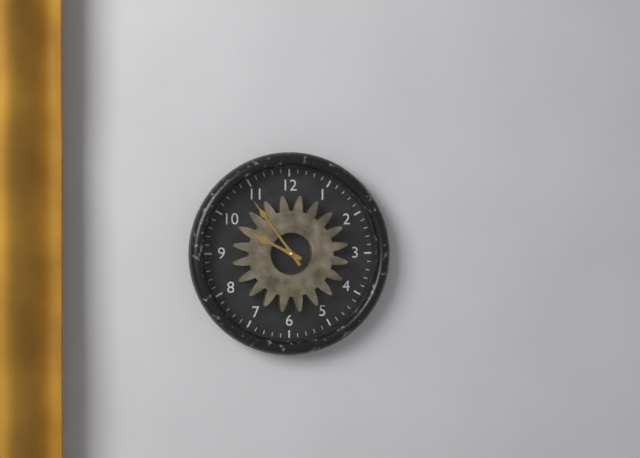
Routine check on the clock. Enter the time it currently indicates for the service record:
9:54
